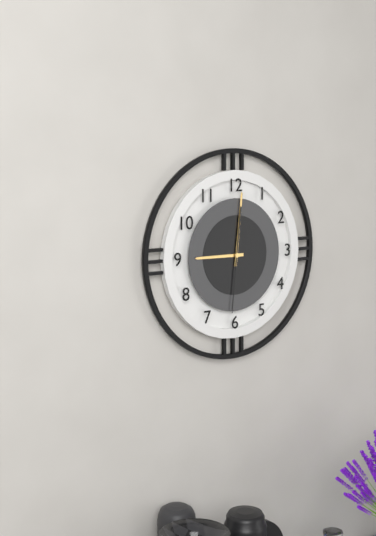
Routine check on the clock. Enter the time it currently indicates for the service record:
9:01:31
